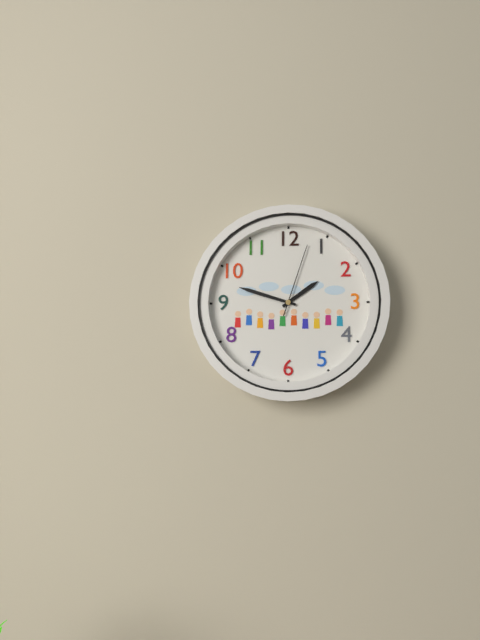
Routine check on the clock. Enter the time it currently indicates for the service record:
1:48:03
